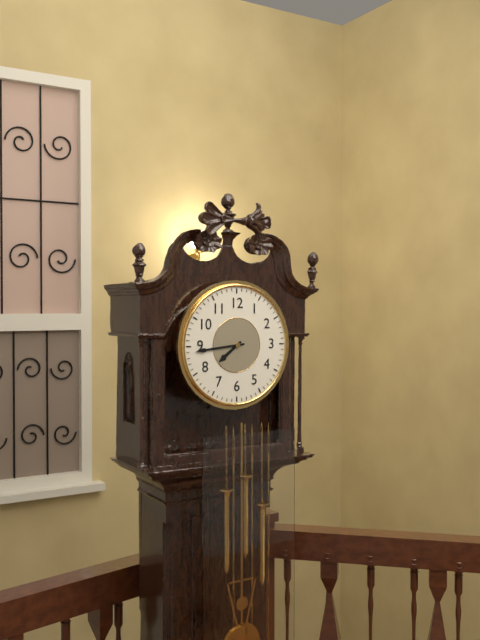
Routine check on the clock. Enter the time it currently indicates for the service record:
7:44
